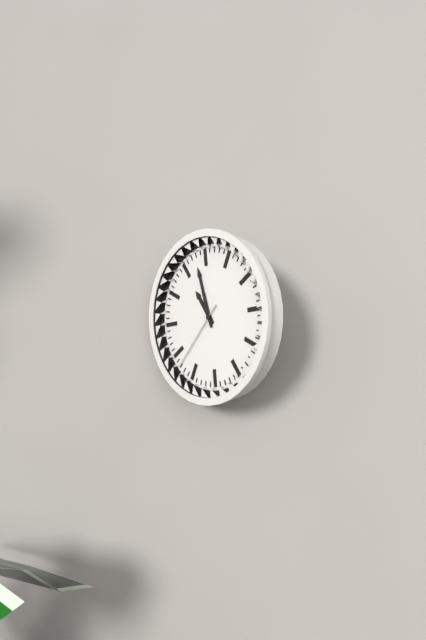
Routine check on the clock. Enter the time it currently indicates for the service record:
10:58:38
